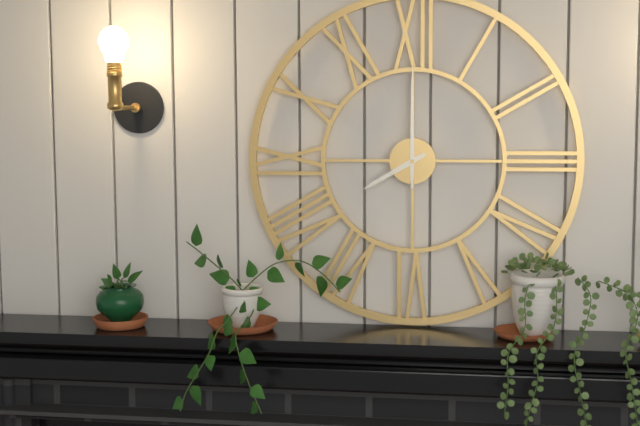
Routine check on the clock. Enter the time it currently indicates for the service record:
8:00
